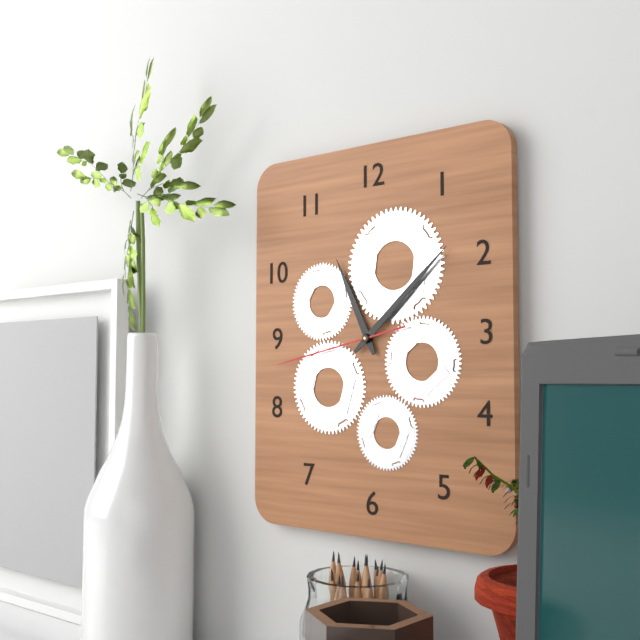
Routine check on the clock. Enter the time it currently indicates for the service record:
11:08:43
